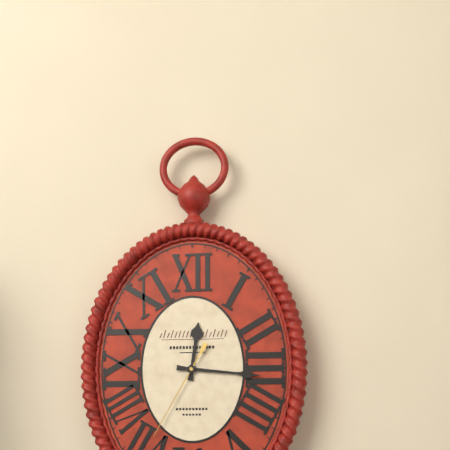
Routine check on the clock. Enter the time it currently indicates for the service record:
12:16:35
